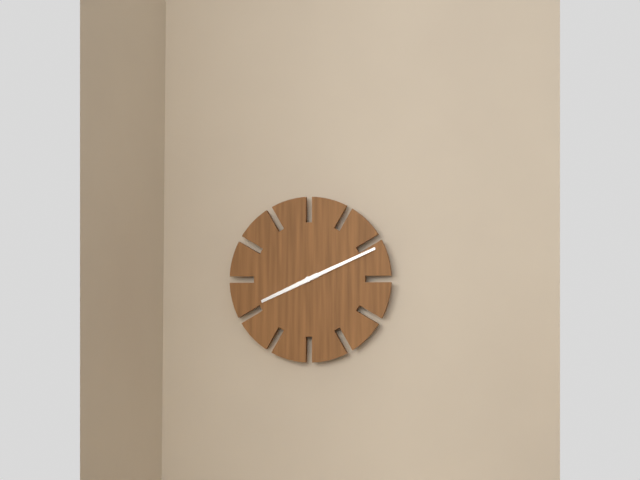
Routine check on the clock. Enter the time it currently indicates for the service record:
8:11
